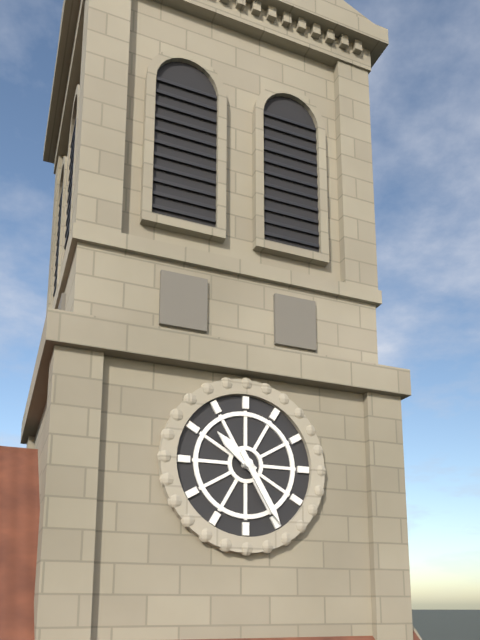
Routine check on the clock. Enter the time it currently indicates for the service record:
10:25
